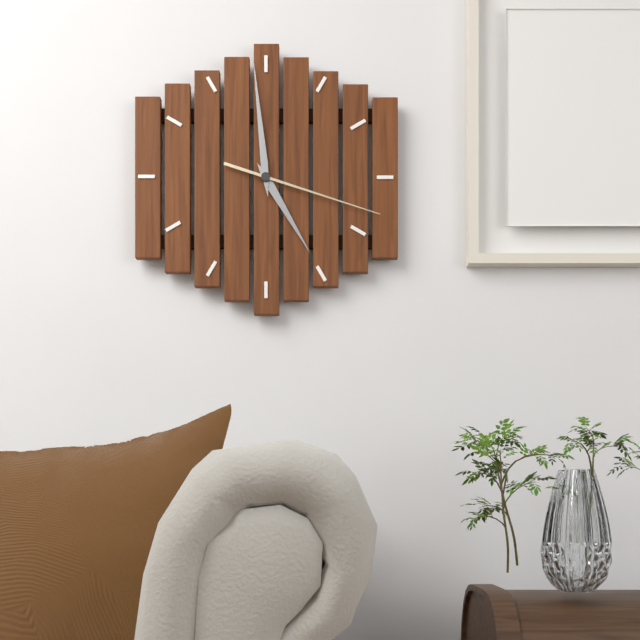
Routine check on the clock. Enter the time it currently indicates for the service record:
4:59:18
